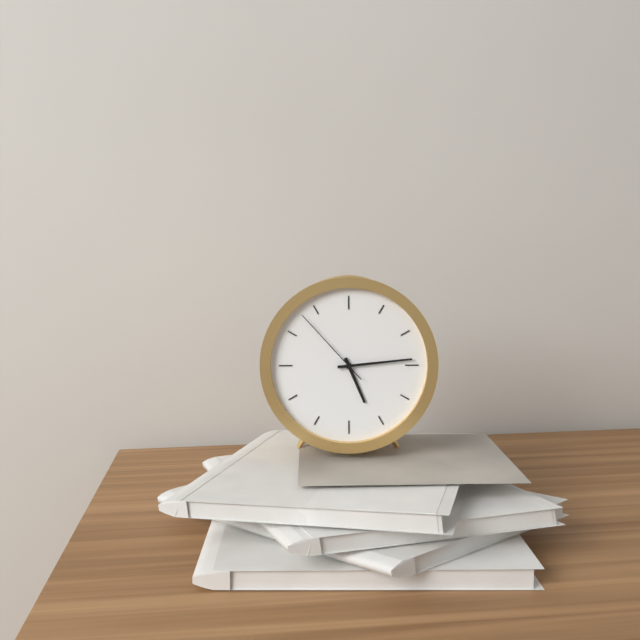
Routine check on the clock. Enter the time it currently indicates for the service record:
5:14:53
